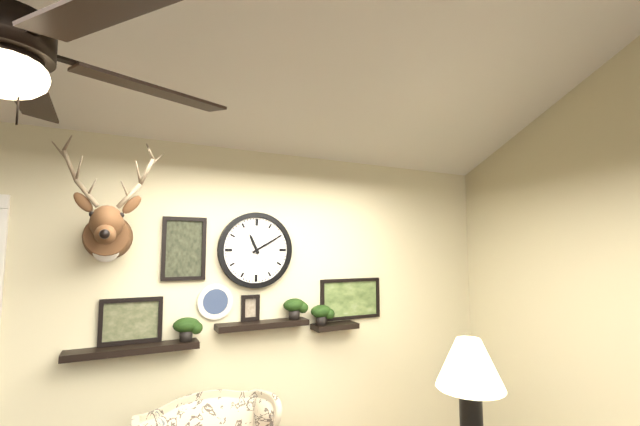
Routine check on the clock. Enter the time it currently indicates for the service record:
11:10
